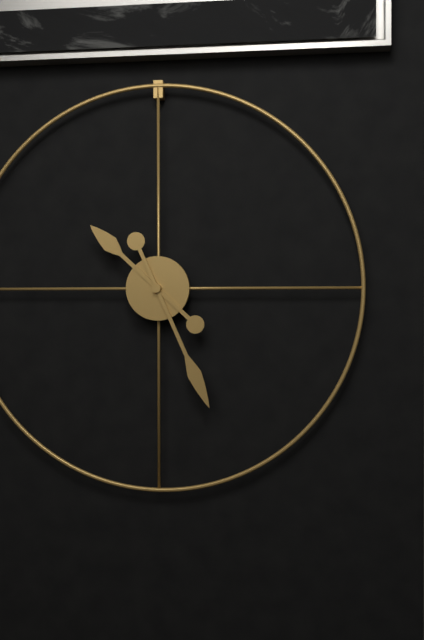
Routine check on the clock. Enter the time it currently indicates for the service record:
10:26
